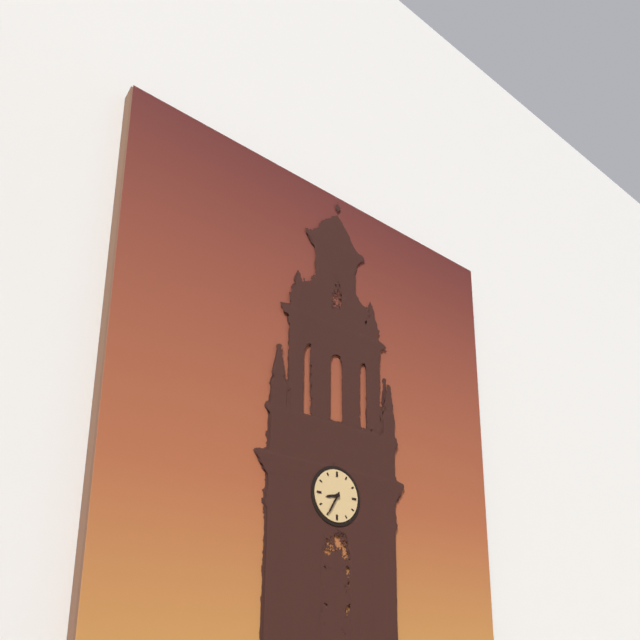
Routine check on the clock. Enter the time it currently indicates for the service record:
8:35
